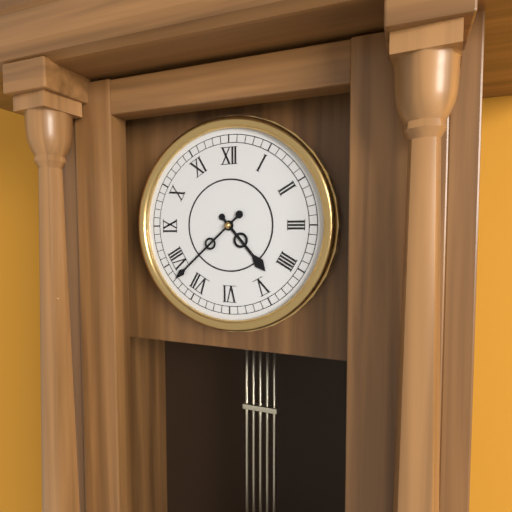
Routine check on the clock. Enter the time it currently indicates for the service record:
4:38
